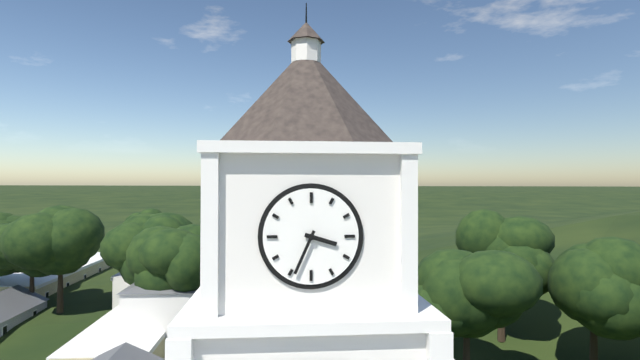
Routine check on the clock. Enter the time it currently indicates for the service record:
3:34
